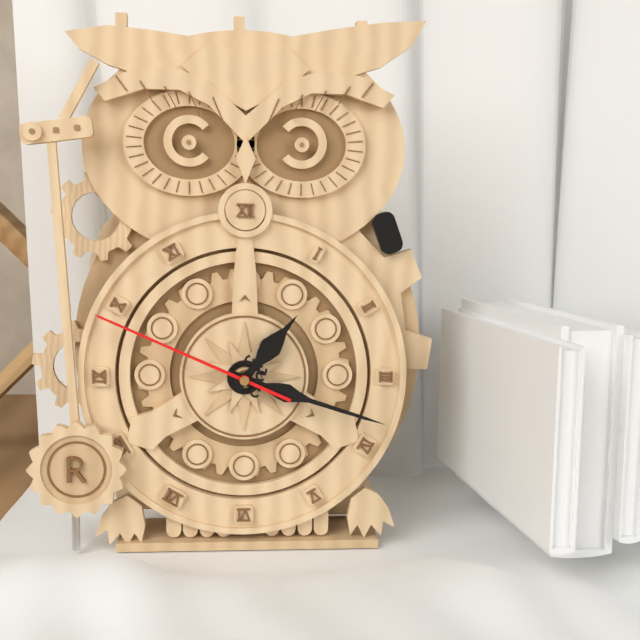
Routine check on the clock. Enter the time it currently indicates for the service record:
1:18:49
